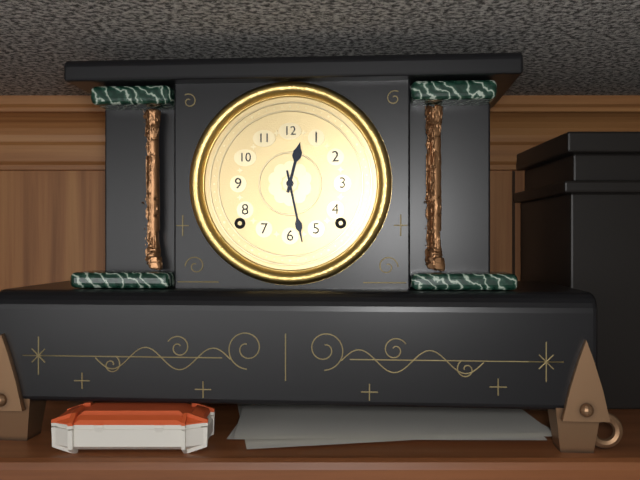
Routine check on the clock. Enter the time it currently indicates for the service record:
12:28
